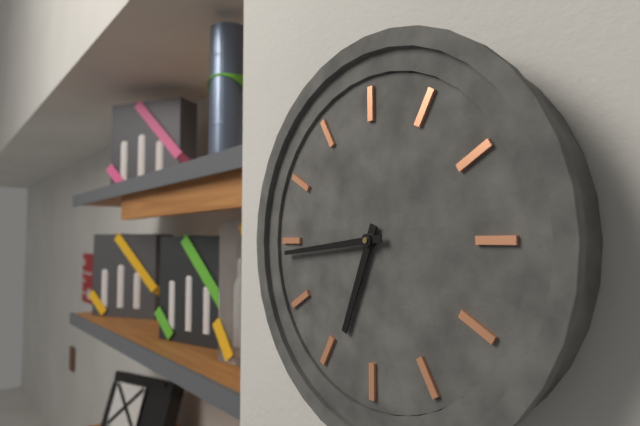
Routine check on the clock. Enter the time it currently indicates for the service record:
6:44
